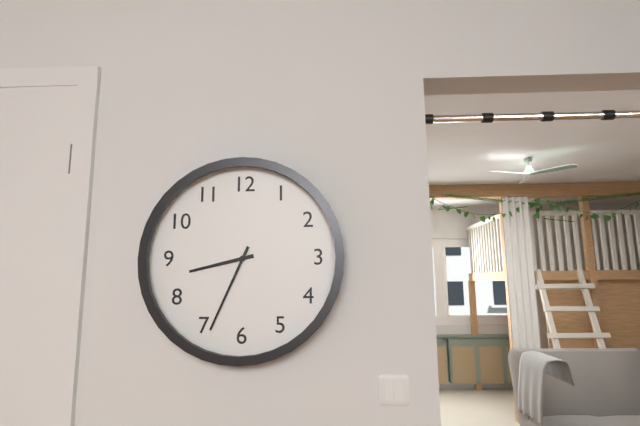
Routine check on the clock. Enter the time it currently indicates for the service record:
8:34
